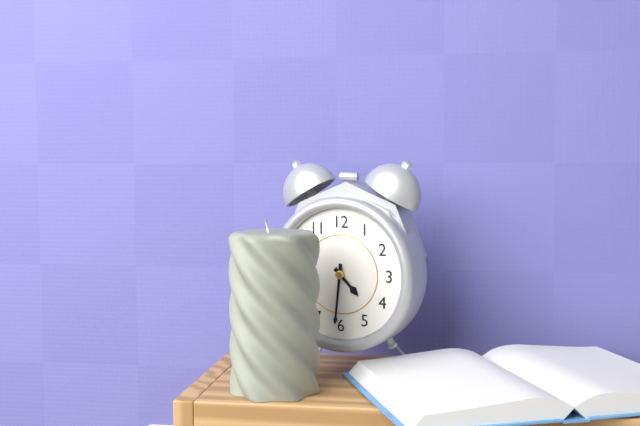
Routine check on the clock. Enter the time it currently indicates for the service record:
4:31
